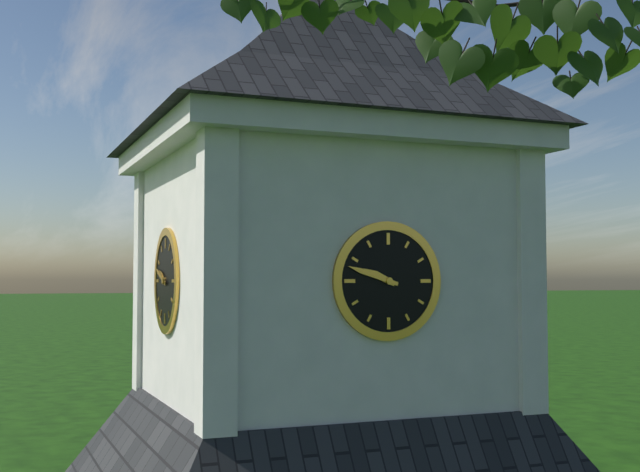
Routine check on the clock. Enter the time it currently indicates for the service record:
9:48
